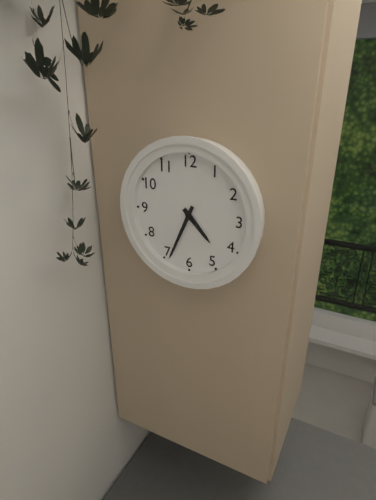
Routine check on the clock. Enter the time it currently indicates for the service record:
4:34
